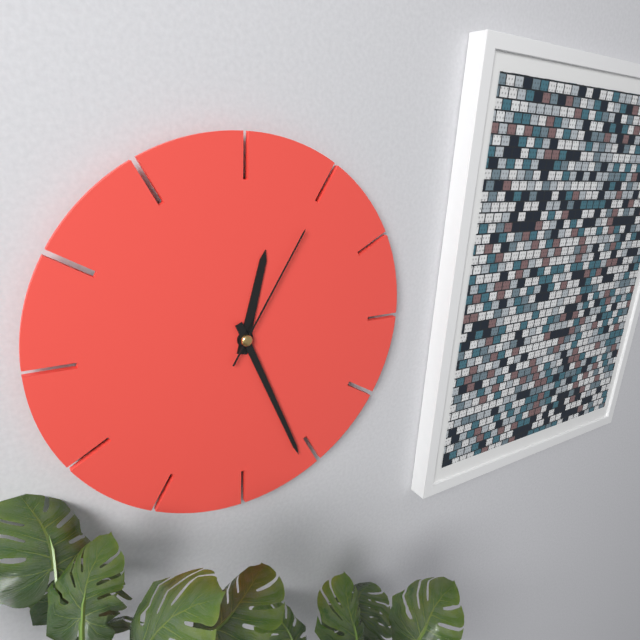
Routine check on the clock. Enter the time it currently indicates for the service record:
12:26:05
